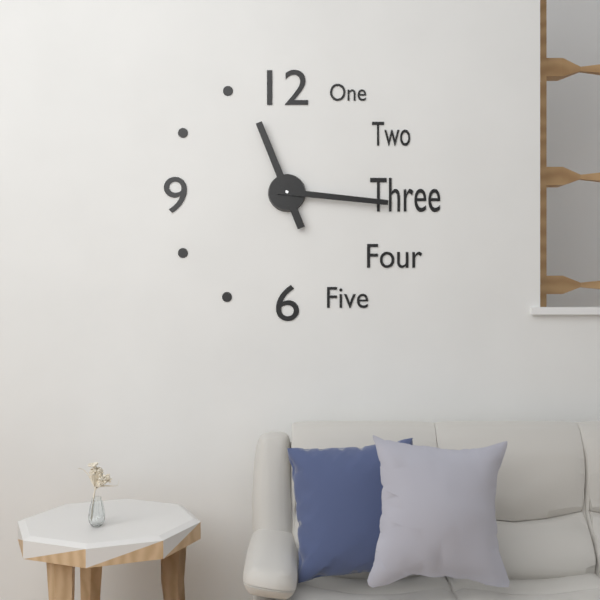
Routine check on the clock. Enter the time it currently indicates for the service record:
11:16
